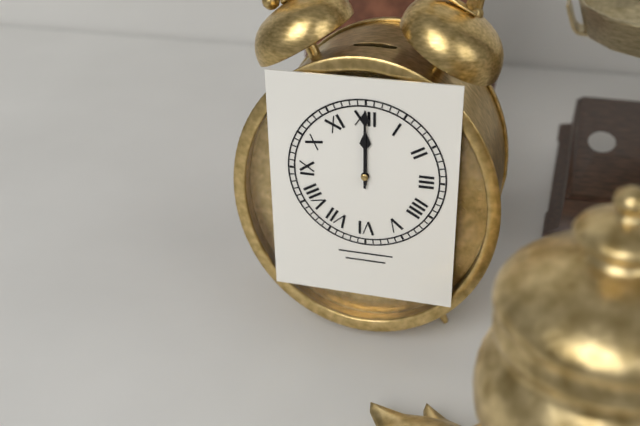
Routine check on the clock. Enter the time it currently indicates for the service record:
12:00
